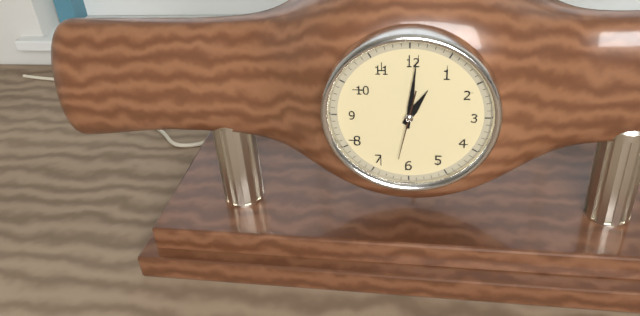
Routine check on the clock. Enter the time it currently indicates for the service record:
1:01:32
